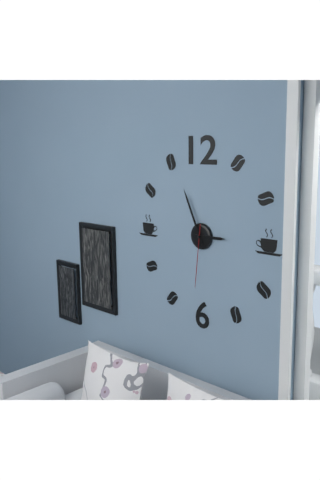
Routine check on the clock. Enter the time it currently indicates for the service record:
2:56:31
